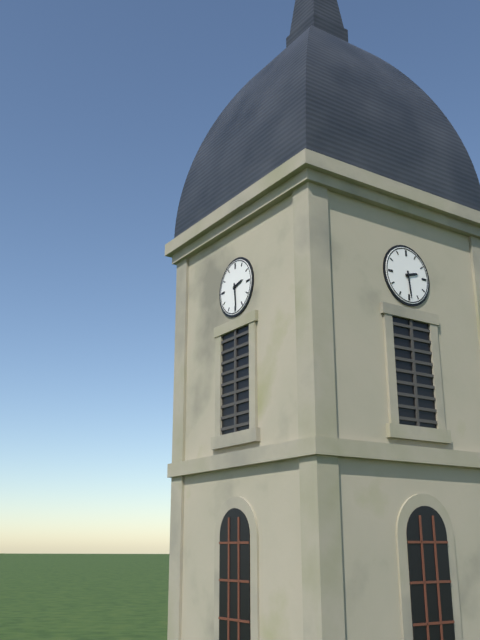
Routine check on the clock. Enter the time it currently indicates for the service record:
2:29
